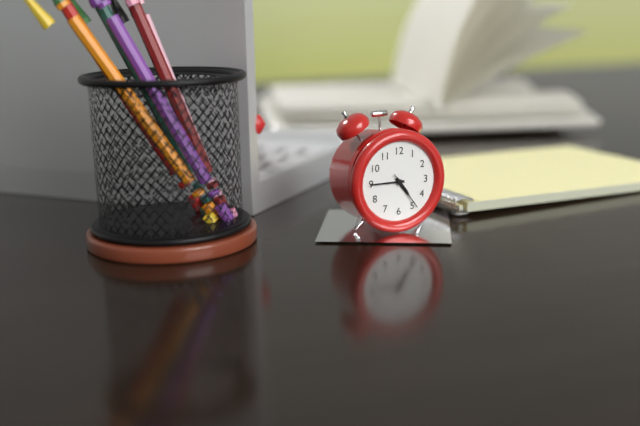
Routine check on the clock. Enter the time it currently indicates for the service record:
4:45
